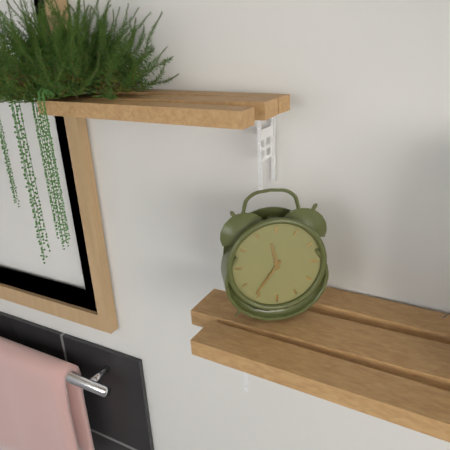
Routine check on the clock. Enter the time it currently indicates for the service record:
11:36
